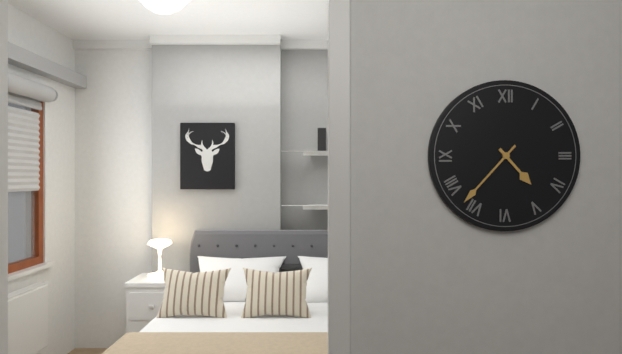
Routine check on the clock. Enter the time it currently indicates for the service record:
4:37
